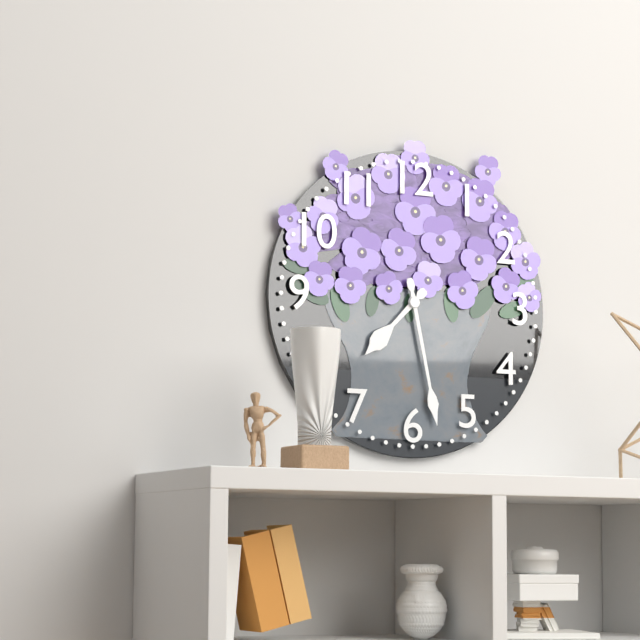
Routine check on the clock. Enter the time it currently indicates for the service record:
7:28
